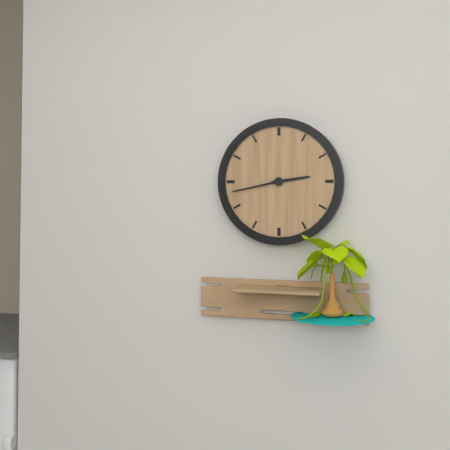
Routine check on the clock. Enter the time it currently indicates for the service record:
2:43
